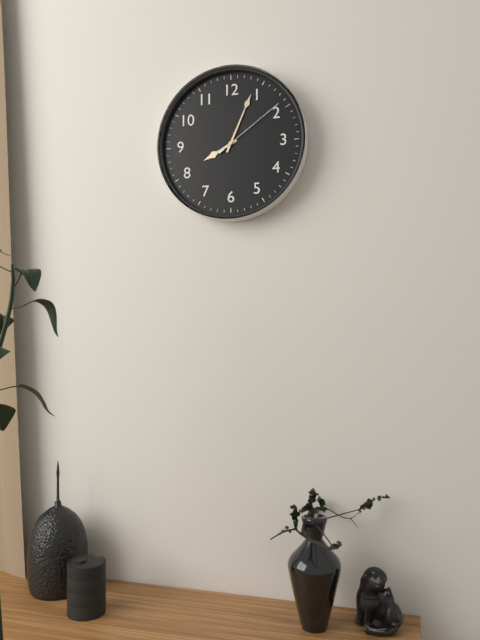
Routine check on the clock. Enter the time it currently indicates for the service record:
8:04:09
